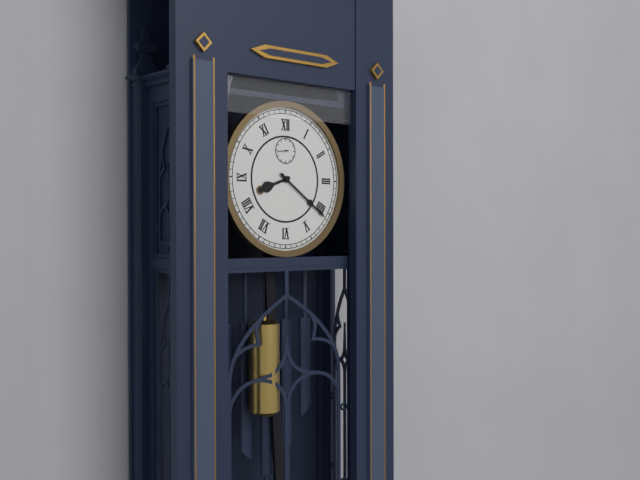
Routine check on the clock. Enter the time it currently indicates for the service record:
8:21
